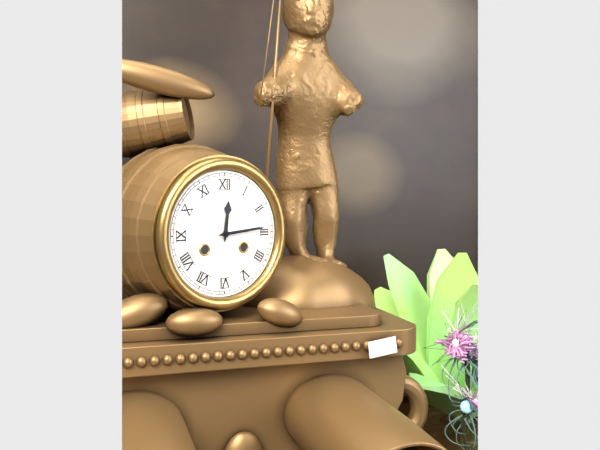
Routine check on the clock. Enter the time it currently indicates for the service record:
12:14
